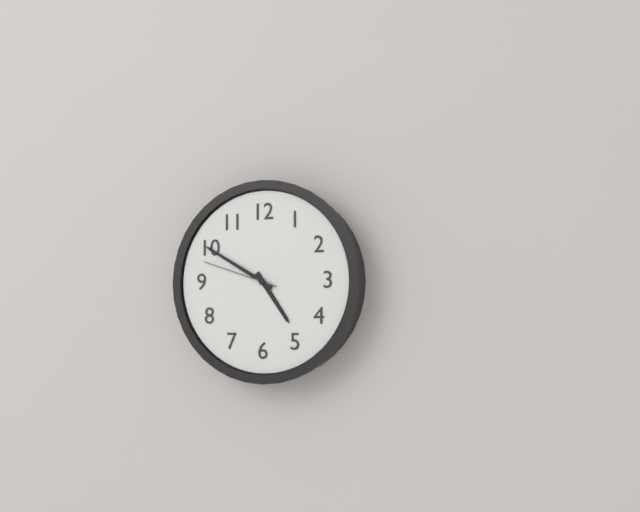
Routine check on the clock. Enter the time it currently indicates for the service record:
4:50:48
